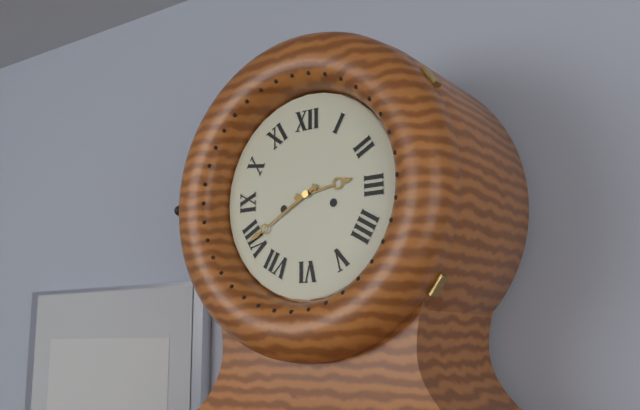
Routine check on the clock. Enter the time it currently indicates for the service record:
2:40
